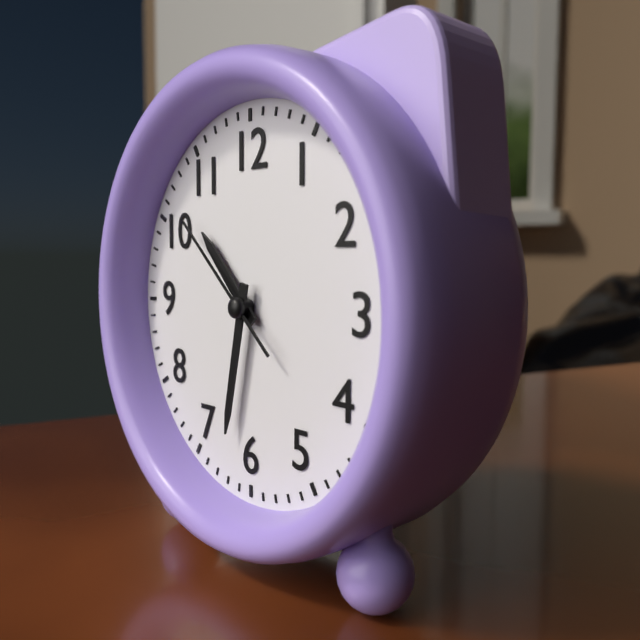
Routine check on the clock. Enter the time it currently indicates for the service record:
10:32:52
